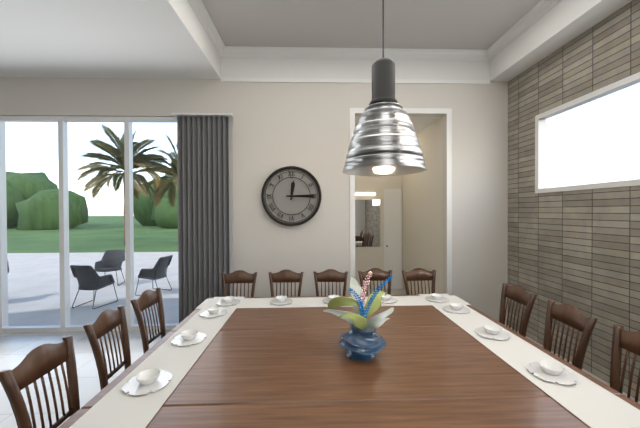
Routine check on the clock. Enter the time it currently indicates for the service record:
12:15
